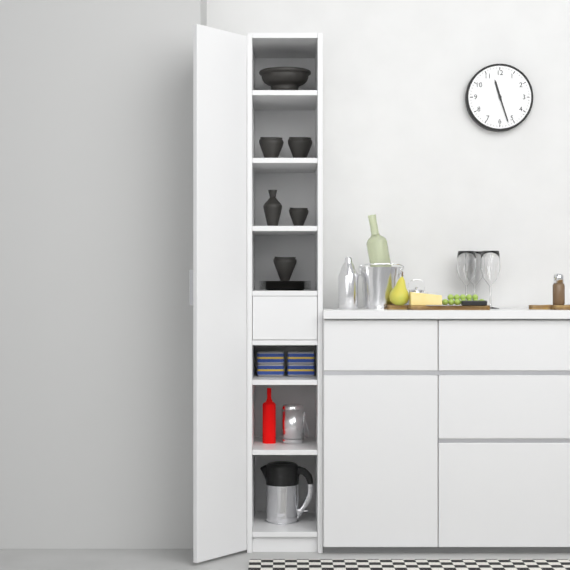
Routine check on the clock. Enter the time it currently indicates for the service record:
11:27
